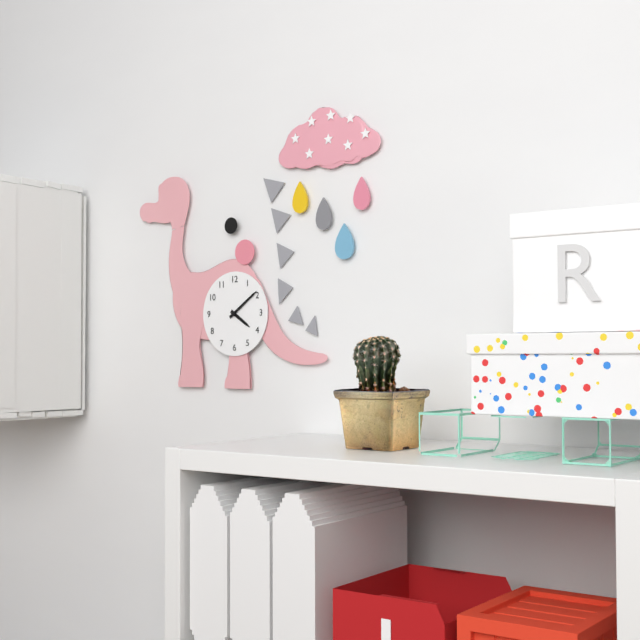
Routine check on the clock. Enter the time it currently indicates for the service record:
4:09
